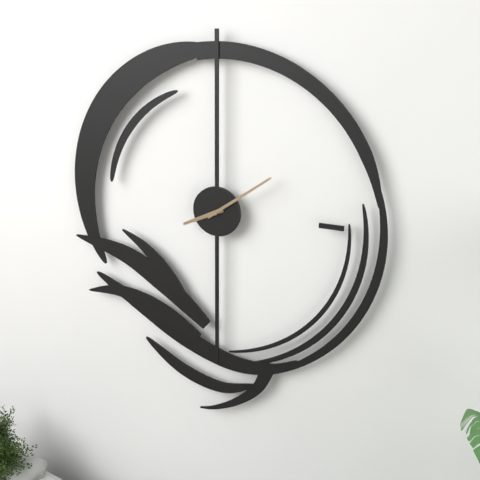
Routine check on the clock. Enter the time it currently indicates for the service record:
8:09
